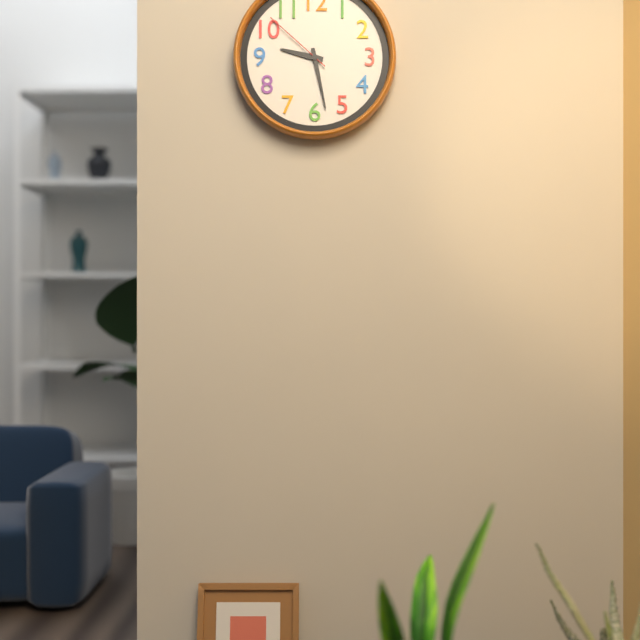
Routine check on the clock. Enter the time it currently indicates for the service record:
9:28:52
